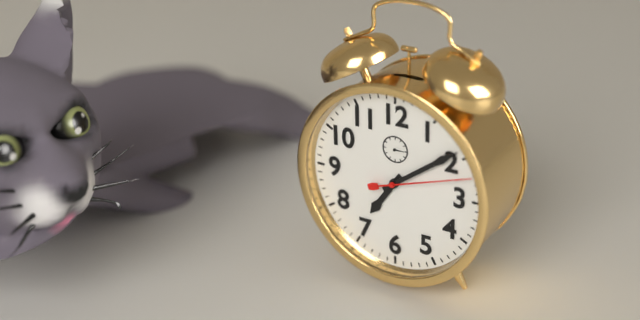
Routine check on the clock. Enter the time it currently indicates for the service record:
7:09:12
